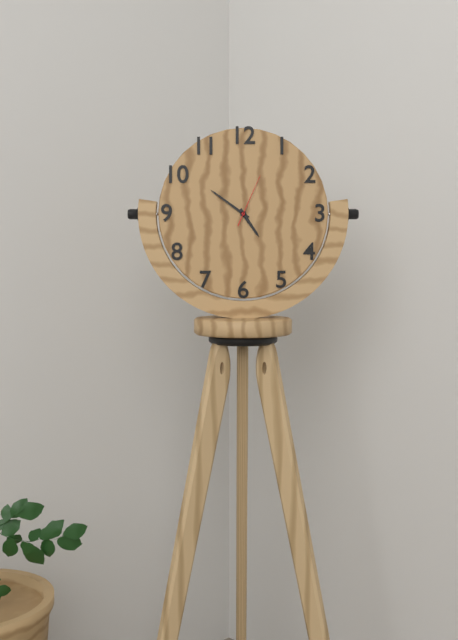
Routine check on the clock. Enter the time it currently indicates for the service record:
4:51:04
